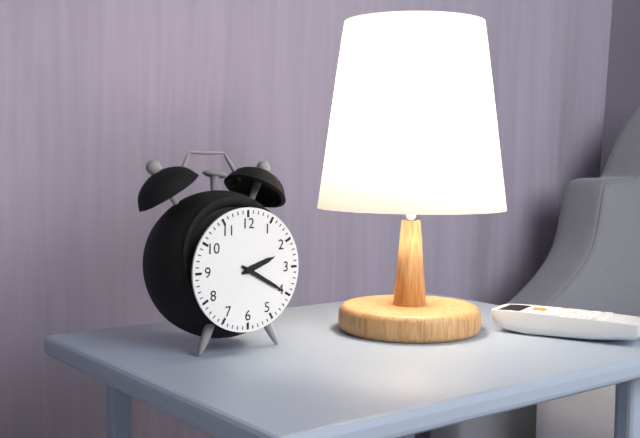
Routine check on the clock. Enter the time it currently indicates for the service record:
2:20
